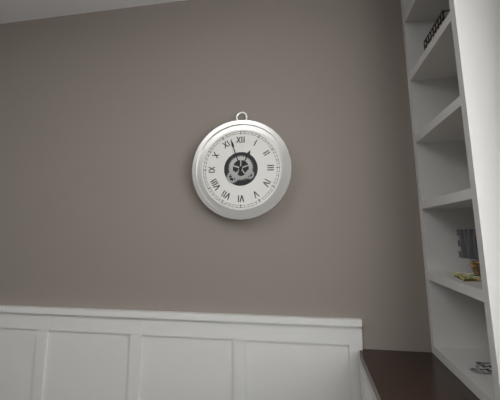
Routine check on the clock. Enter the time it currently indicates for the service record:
12:57
